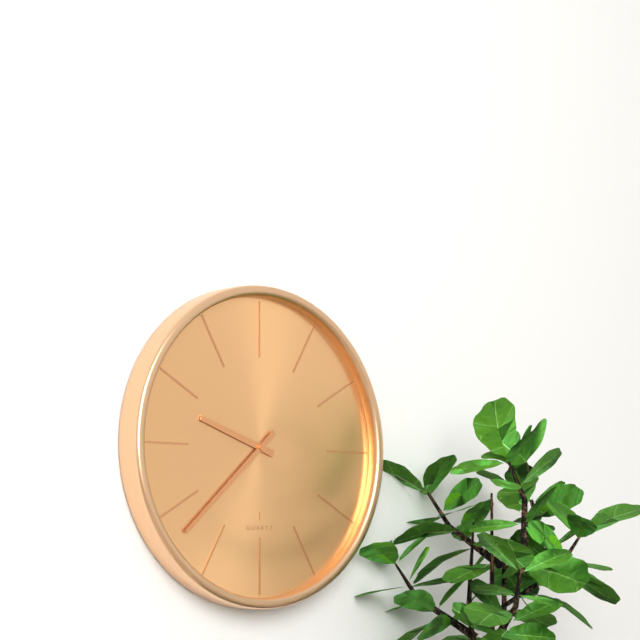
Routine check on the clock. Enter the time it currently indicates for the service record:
9:38
